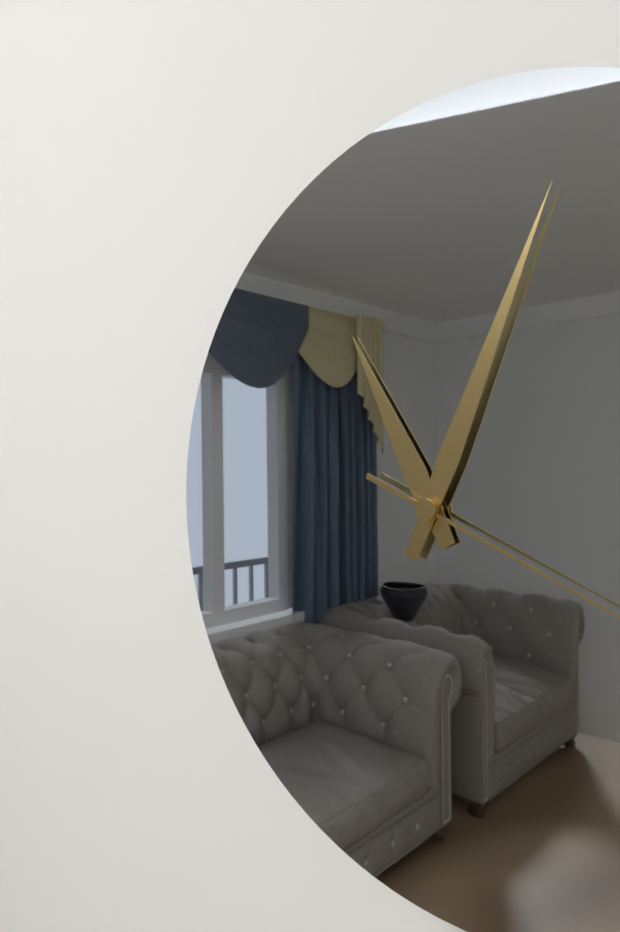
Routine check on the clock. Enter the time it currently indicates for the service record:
11:04
